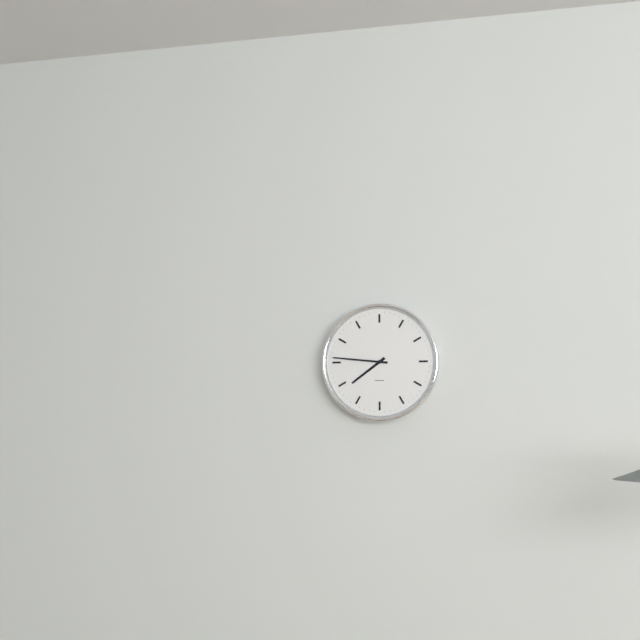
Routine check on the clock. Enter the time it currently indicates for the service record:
7:46
